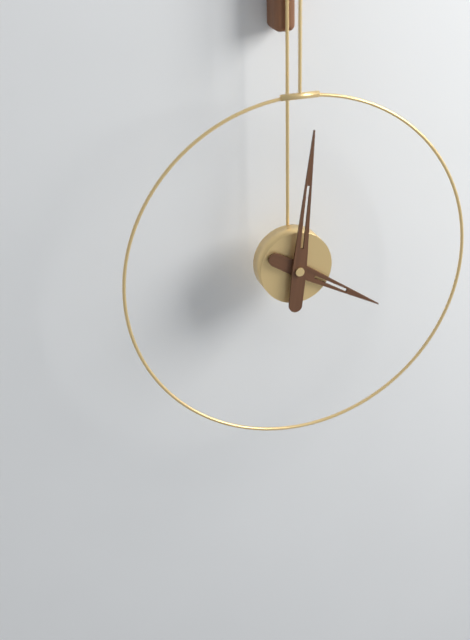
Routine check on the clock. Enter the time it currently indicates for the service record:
4:01
